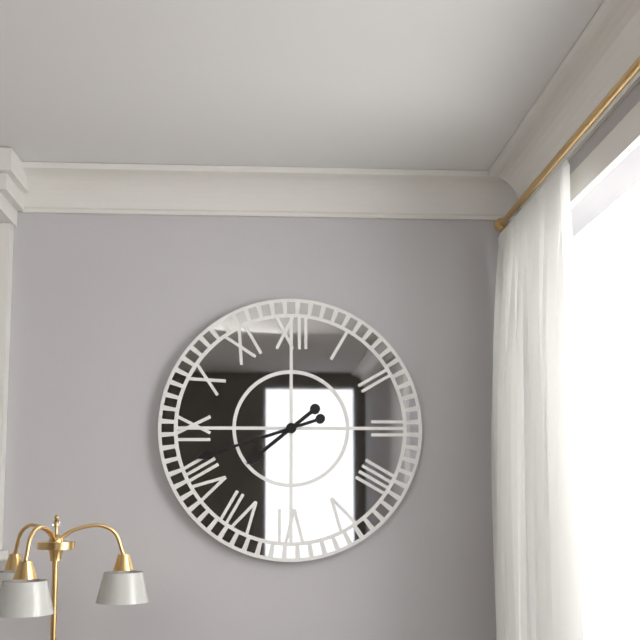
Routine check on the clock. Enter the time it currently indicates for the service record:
7:42
